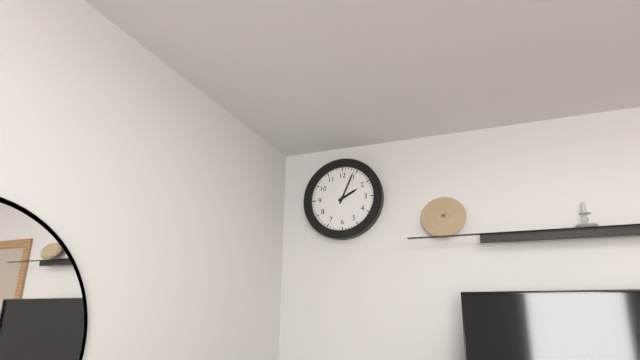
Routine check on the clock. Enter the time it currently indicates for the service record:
2:04
